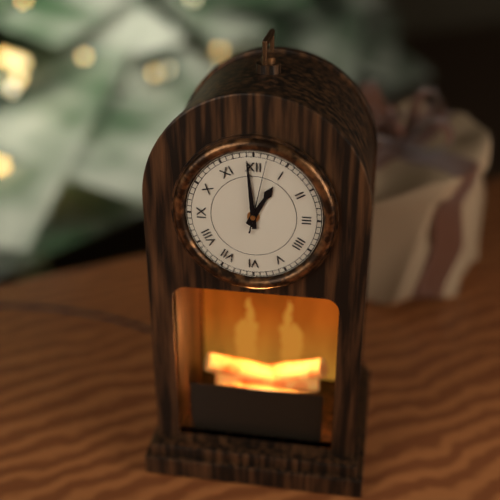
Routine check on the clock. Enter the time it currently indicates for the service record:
12:59:02
